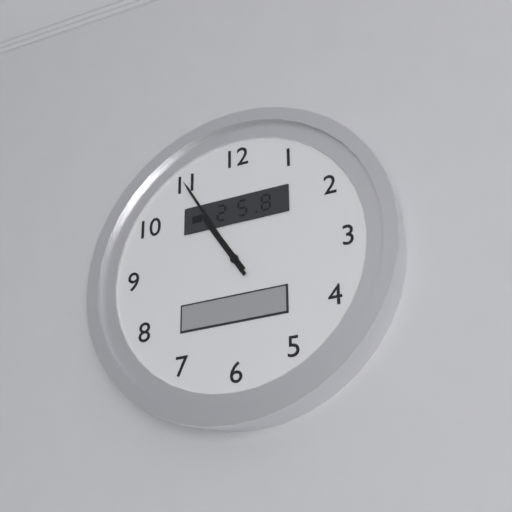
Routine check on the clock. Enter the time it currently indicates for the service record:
10:55
